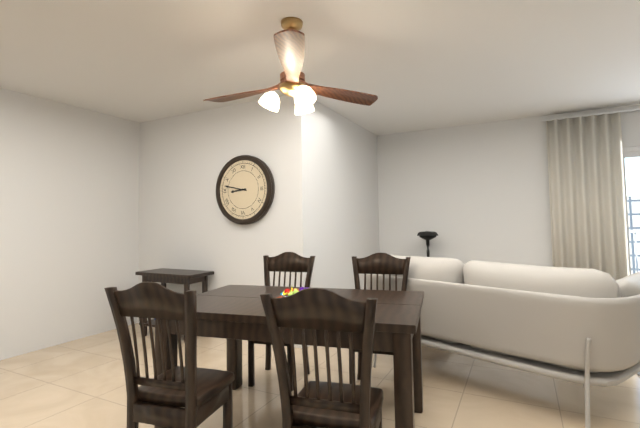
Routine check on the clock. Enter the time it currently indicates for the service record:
8:47
